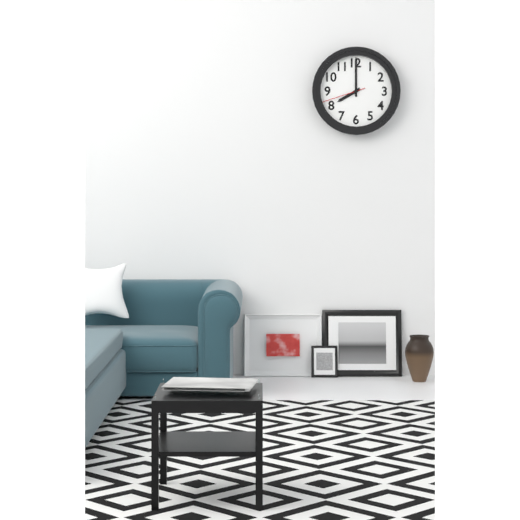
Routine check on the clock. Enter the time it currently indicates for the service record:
8:00
